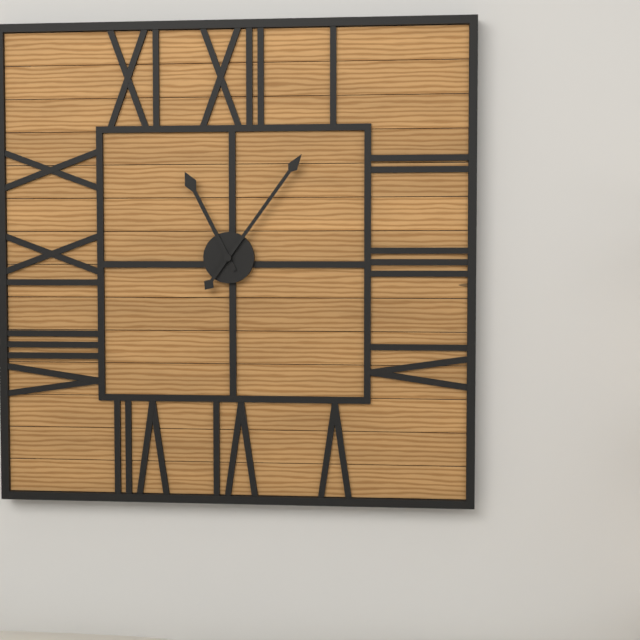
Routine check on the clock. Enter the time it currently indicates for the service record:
11:06
